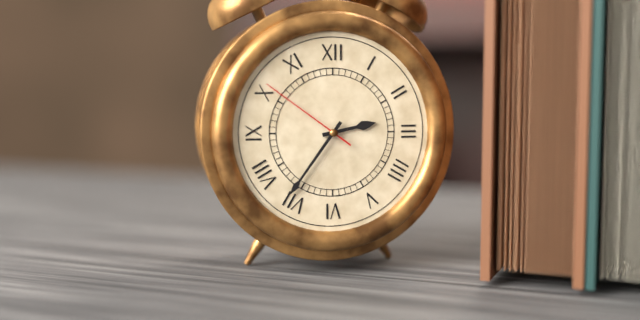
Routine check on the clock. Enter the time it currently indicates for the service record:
2:36:51
